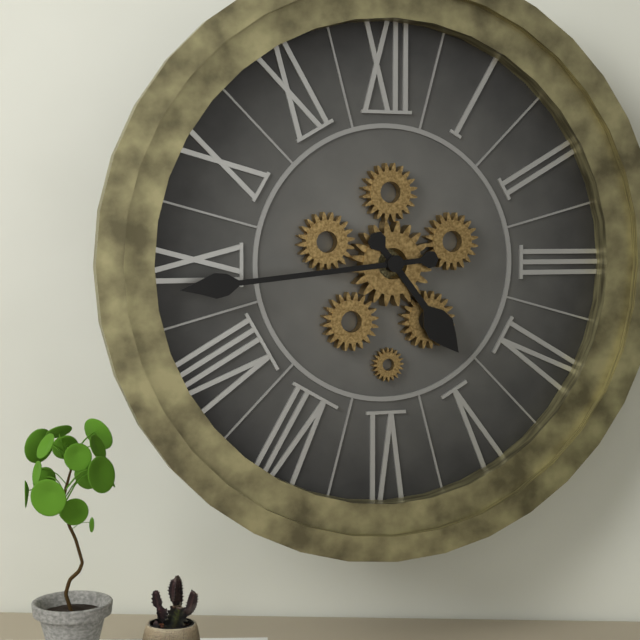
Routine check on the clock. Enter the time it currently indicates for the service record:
4:44
